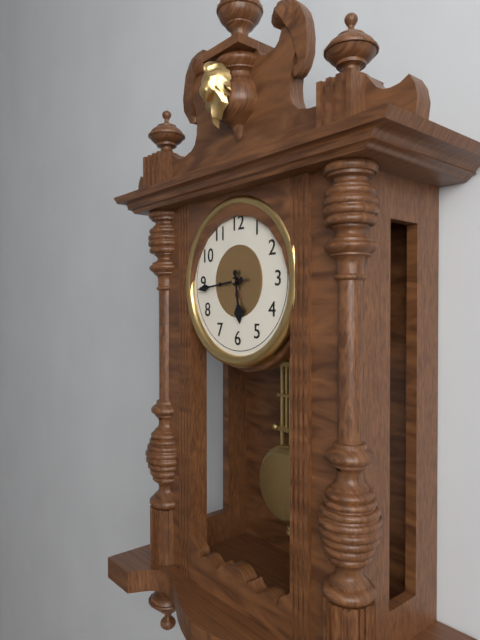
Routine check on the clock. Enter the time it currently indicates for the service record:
5:44
